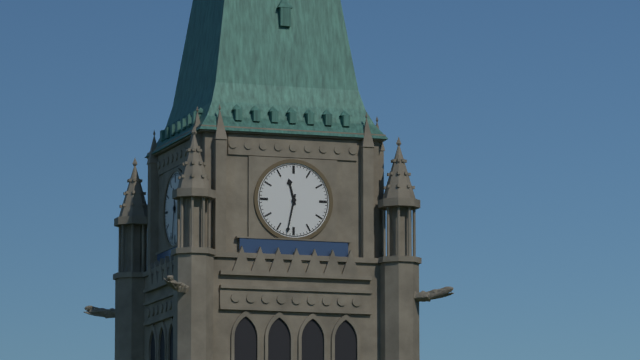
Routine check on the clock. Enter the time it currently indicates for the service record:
11:32
